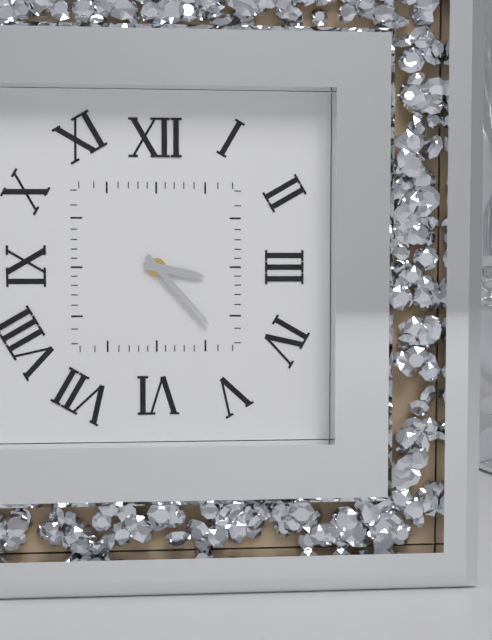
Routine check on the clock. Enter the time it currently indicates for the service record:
3:23
